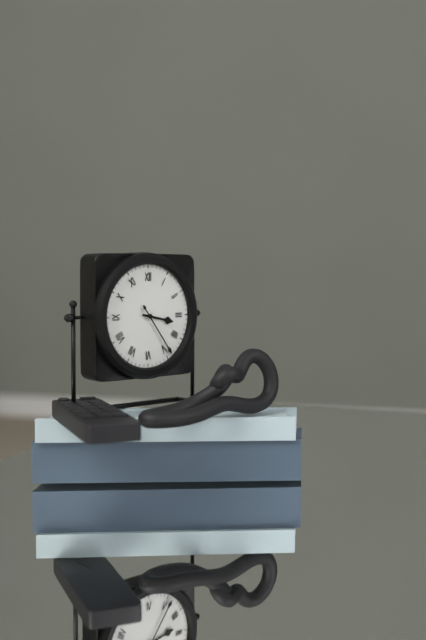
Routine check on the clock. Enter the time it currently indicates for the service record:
3:24
